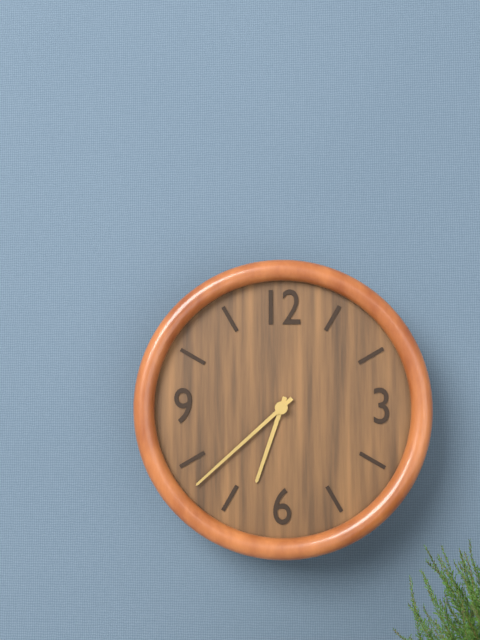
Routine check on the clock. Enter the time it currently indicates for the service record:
6:38
